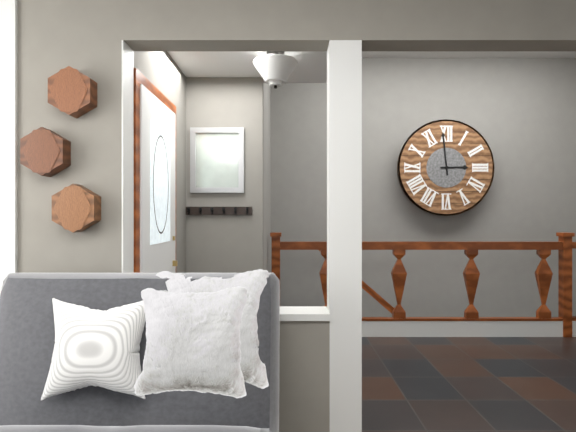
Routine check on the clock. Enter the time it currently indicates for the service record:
2:59
